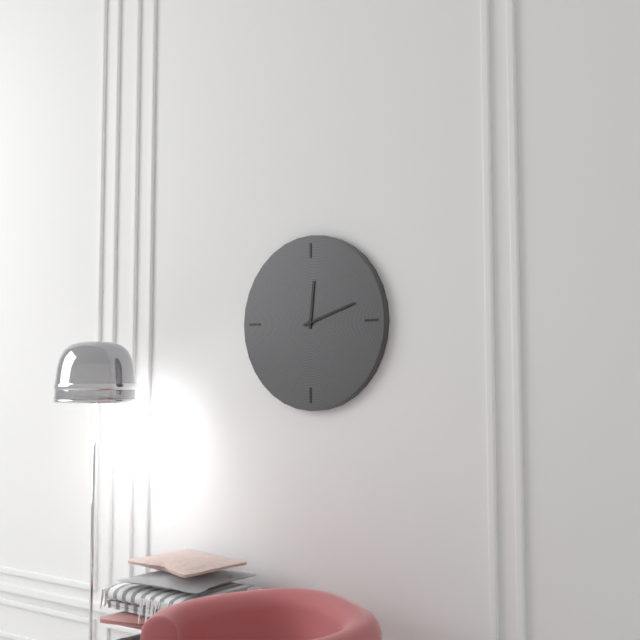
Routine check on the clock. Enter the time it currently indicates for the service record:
12:12
